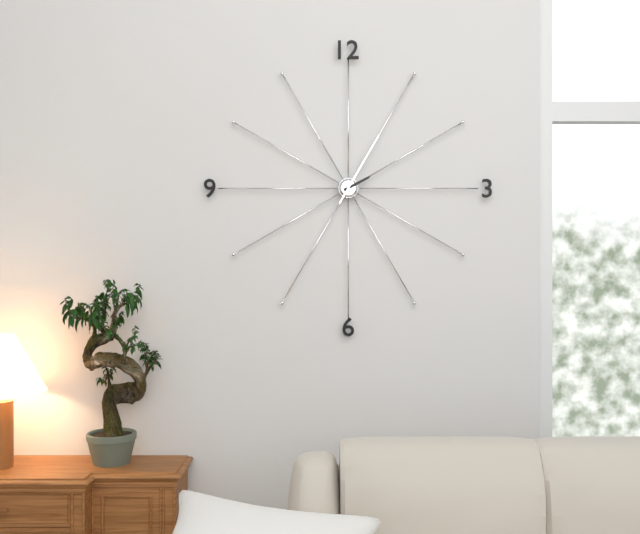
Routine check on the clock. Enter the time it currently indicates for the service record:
2:05
